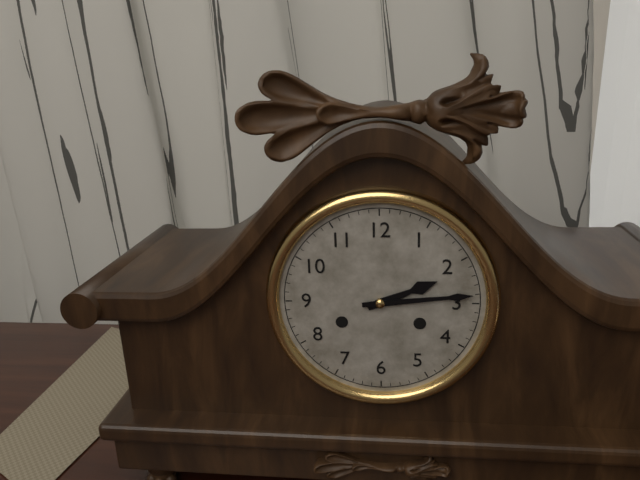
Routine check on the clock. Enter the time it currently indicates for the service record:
2:14
